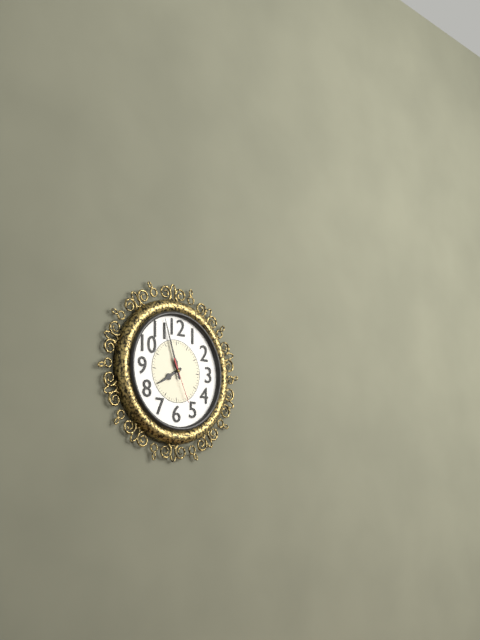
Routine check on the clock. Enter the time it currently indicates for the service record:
7:57
